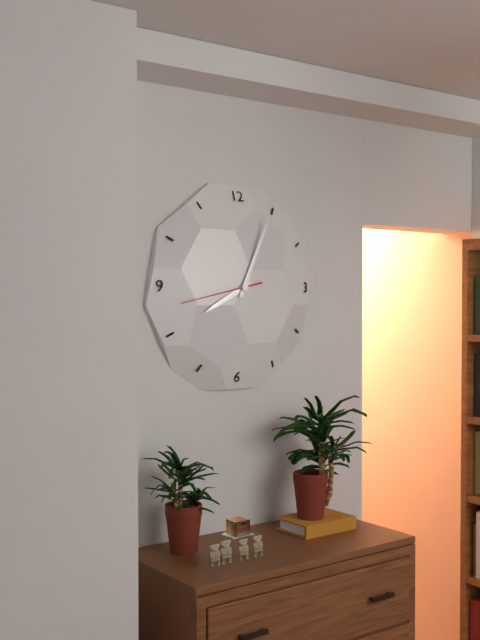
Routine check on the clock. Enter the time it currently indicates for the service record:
8:04:43
